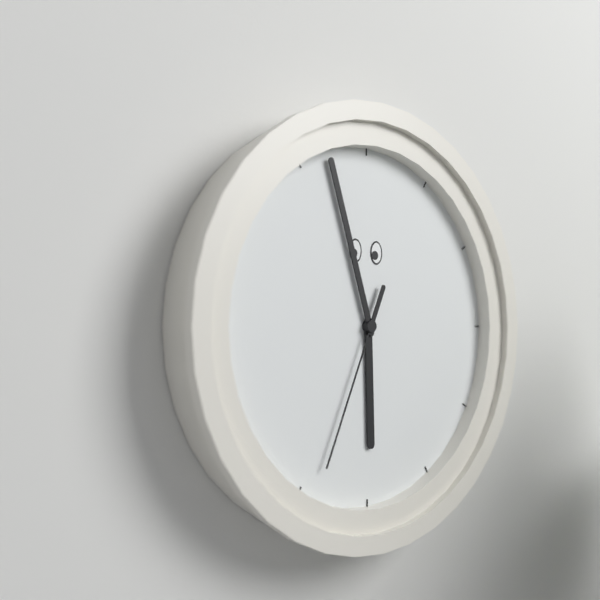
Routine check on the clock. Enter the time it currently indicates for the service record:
5:57:34
